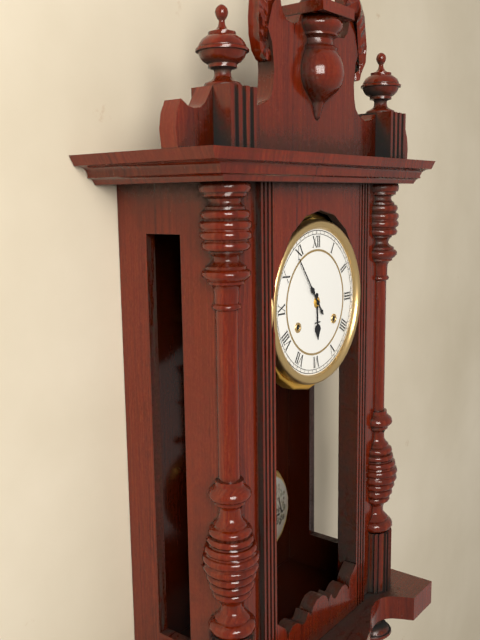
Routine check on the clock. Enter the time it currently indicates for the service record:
5:54
